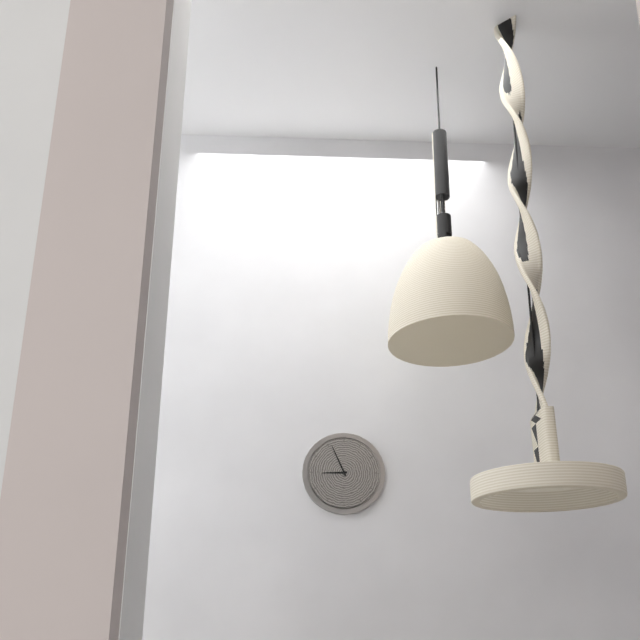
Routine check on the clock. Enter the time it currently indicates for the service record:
8:56
